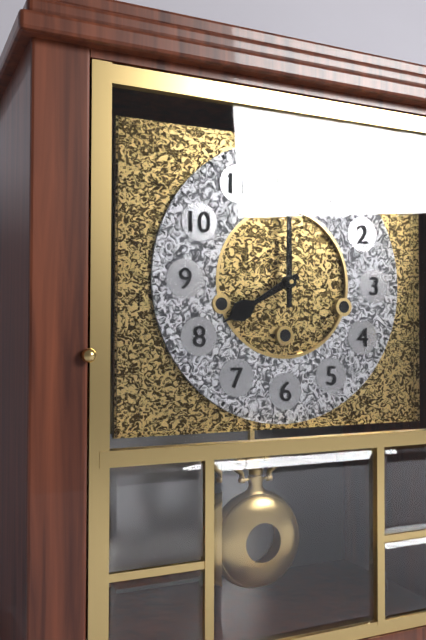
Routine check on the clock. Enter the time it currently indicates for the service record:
8:00
